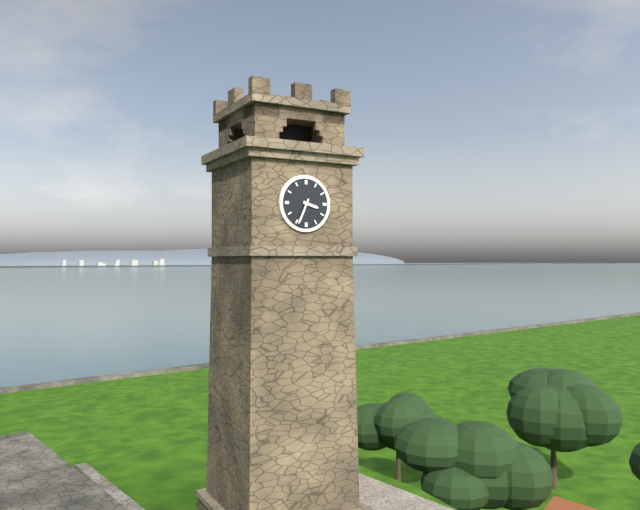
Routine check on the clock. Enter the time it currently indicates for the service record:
3:34
